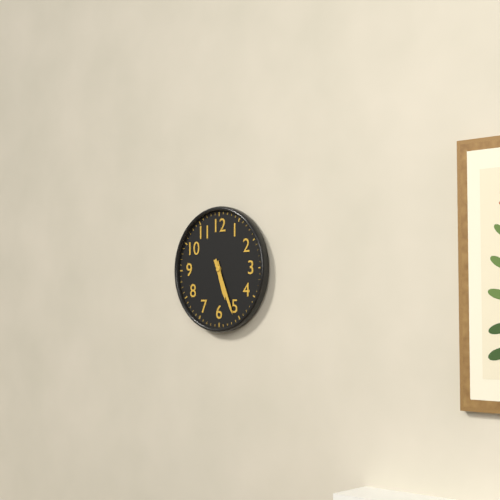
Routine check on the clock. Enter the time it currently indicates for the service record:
5:26
